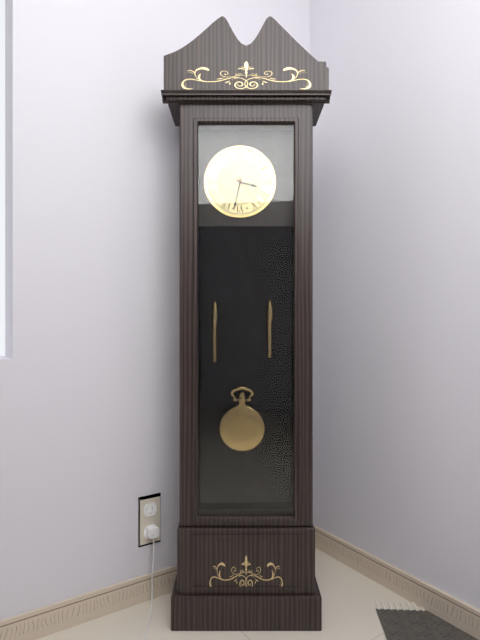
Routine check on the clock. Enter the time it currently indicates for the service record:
3:32
